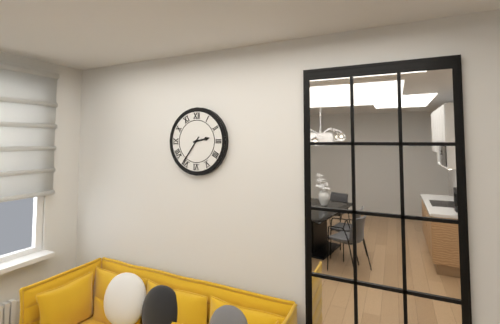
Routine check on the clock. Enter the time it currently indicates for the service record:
2:36
